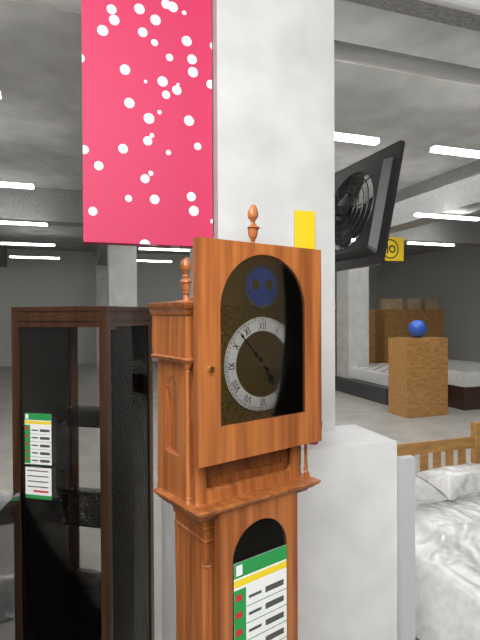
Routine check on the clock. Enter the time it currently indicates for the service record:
4:53
